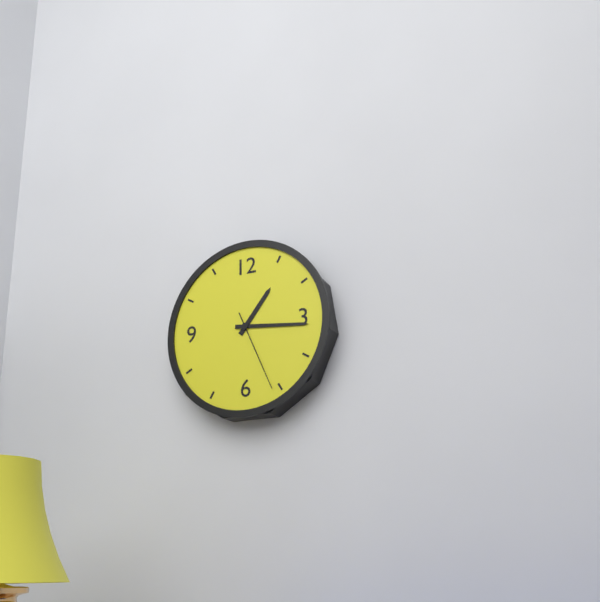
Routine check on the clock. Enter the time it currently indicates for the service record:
1:16:26
